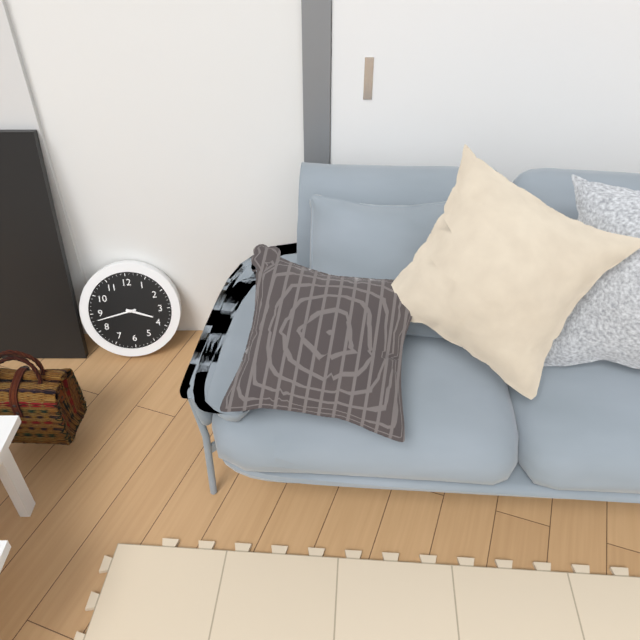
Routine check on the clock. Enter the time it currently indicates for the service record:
3:43
